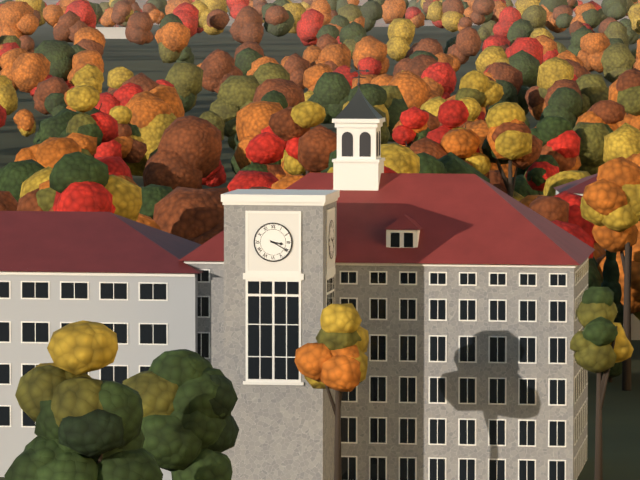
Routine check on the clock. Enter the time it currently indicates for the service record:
3:20
